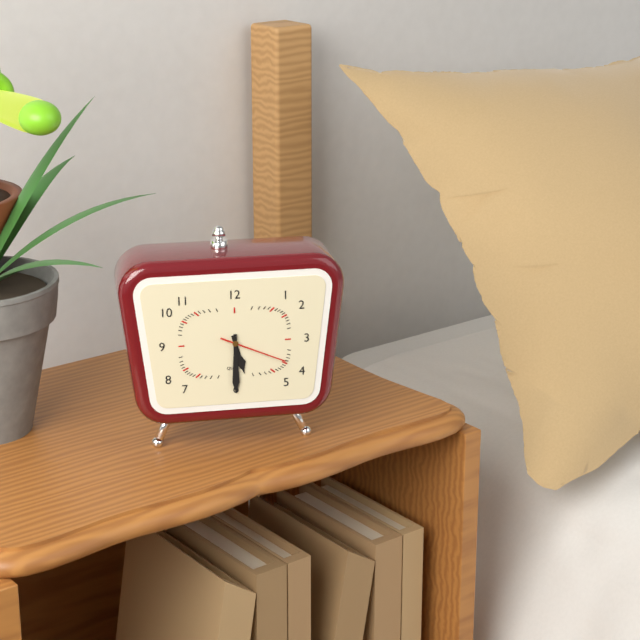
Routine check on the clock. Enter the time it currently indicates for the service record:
5:30:19
